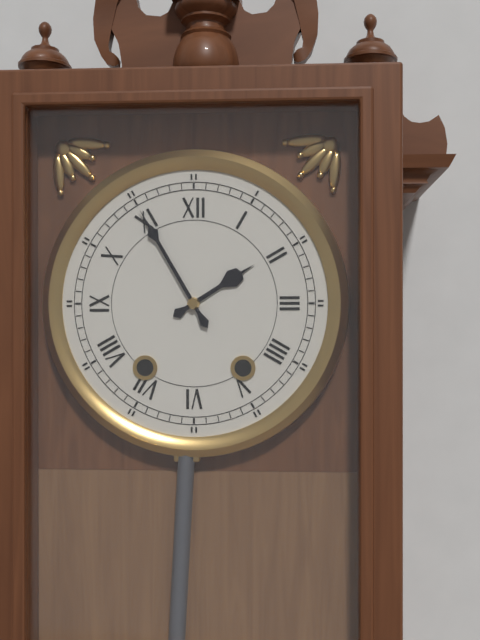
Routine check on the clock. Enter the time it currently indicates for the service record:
1:55
